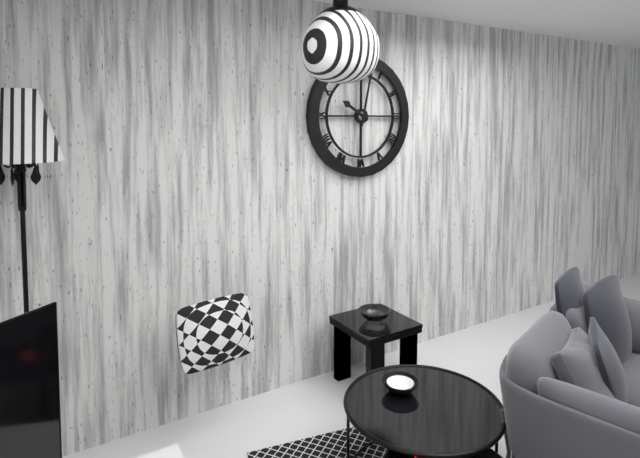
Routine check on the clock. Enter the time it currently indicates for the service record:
10:02
